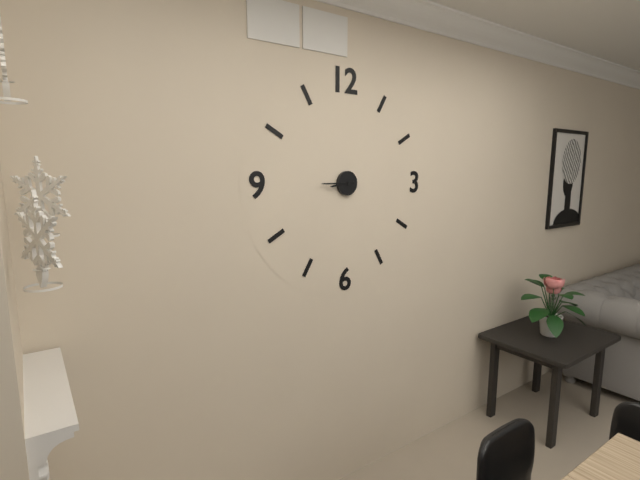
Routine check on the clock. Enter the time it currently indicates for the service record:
8:45
